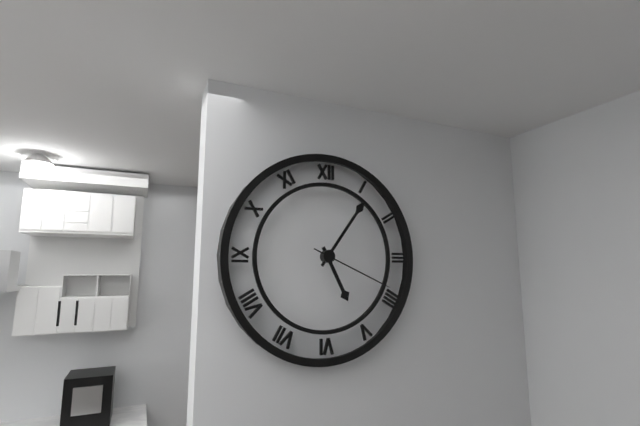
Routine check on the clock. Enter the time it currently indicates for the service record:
5:06:19
